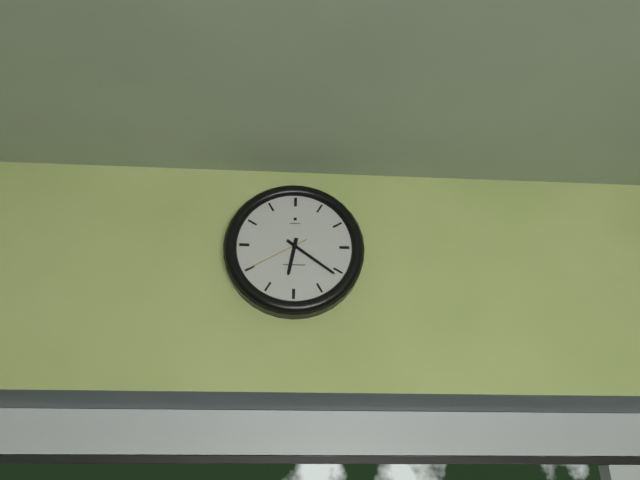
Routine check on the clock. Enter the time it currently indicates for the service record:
6:21:40
